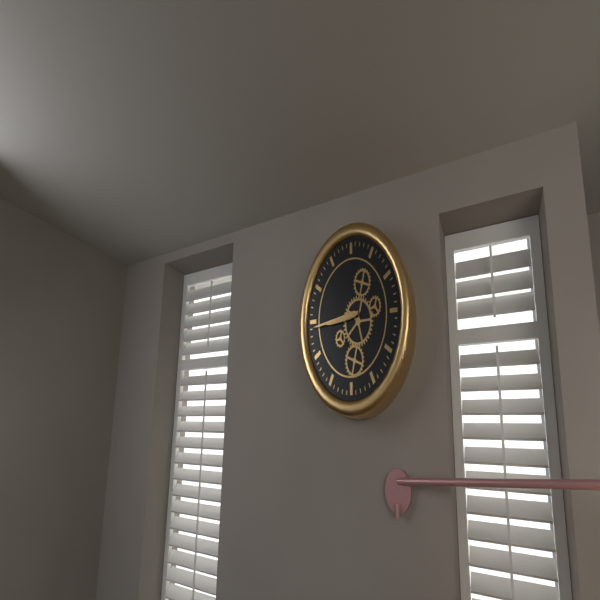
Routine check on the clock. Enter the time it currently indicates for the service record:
8:44
